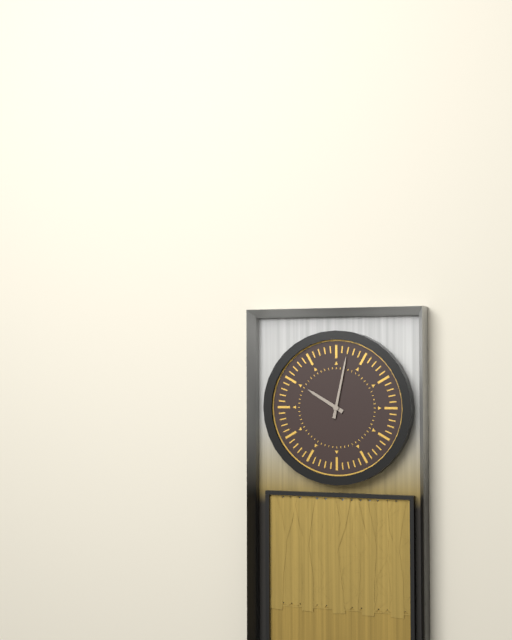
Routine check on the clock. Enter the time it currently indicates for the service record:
10:02
